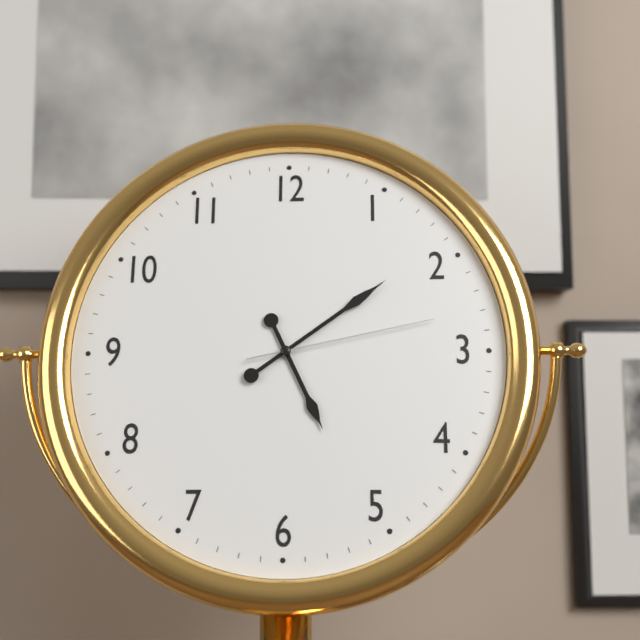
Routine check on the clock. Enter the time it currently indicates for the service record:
5:09:13
